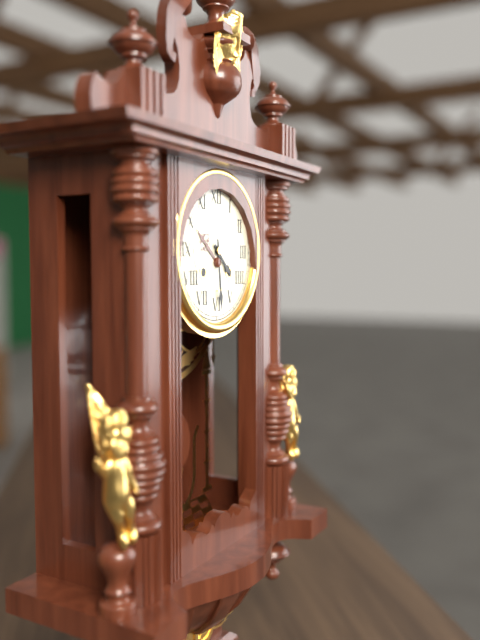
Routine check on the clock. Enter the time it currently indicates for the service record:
4:29
